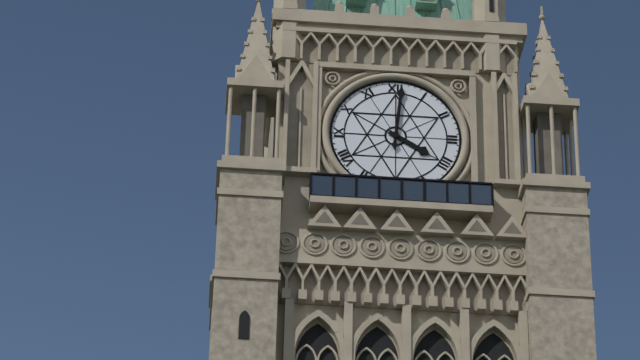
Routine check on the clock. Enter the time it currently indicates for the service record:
4:01
